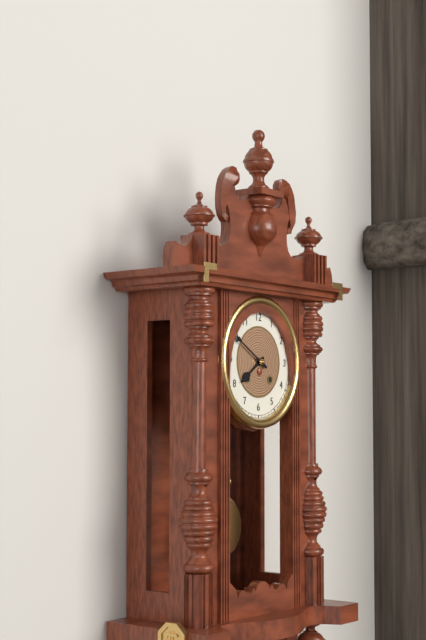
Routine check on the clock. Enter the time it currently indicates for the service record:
7:50
